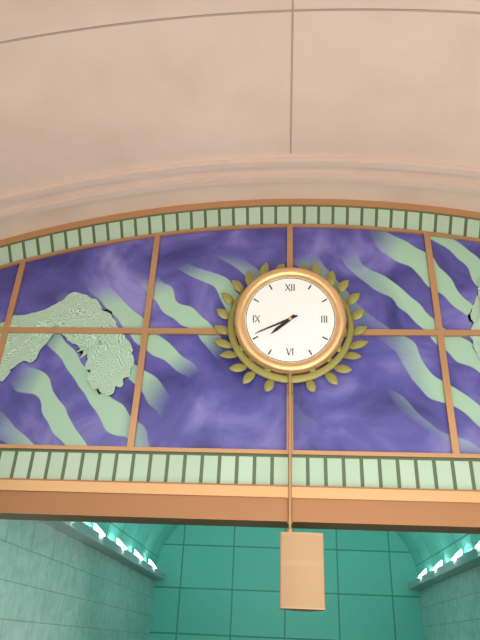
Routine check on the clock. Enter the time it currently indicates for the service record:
7:41
